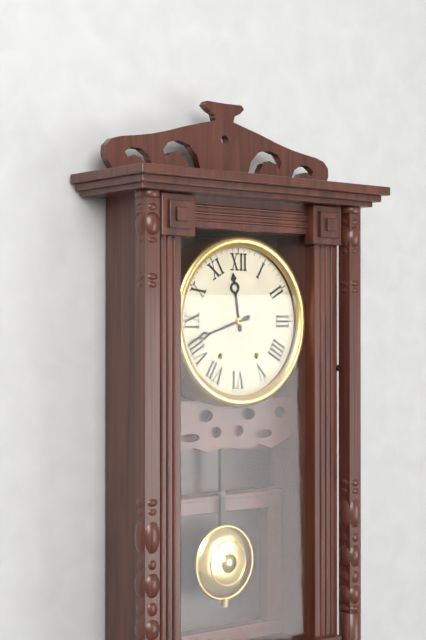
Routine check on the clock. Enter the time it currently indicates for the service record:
11:42
